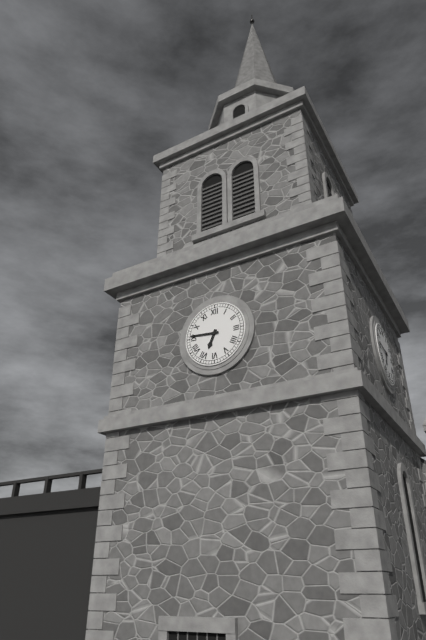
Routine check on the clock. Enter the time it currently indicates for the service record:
6:46
